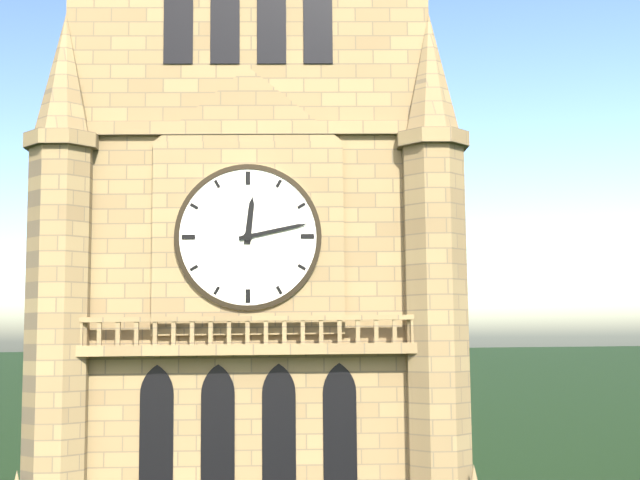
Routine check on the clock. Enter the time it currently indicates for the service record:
12:13
